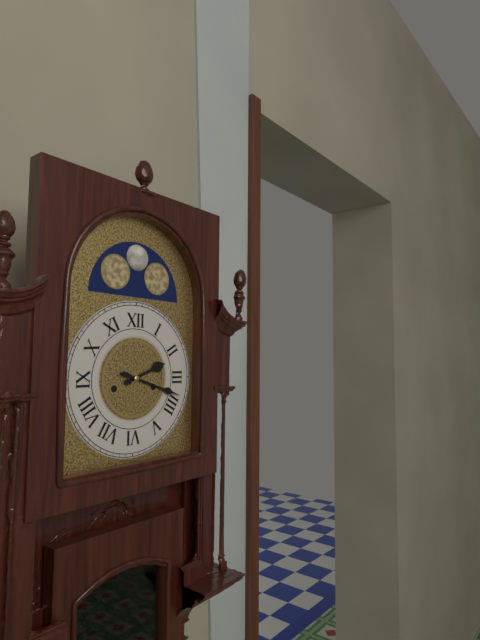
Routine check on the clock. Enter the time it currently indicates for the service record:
2:18
